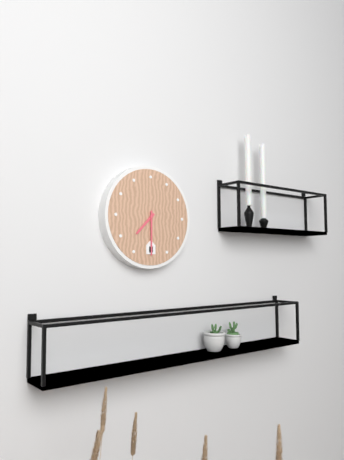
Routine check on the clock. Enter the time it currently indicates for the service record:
7:30
